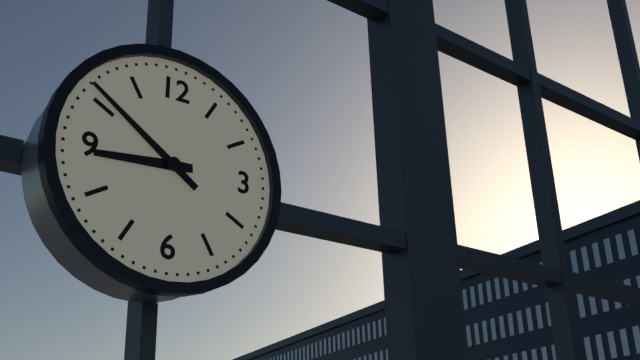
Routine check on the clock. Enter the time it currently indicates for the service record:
8:51
